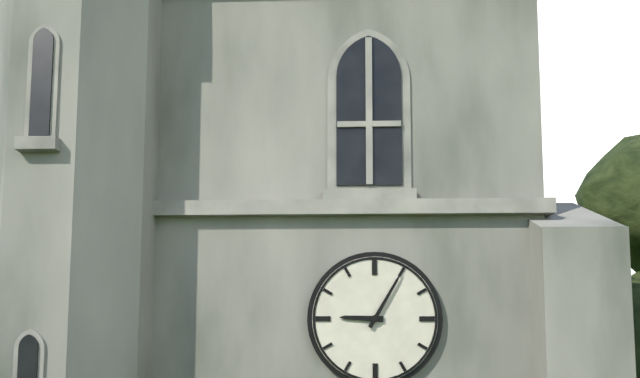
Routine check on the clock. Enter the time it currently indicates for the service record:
9:05
